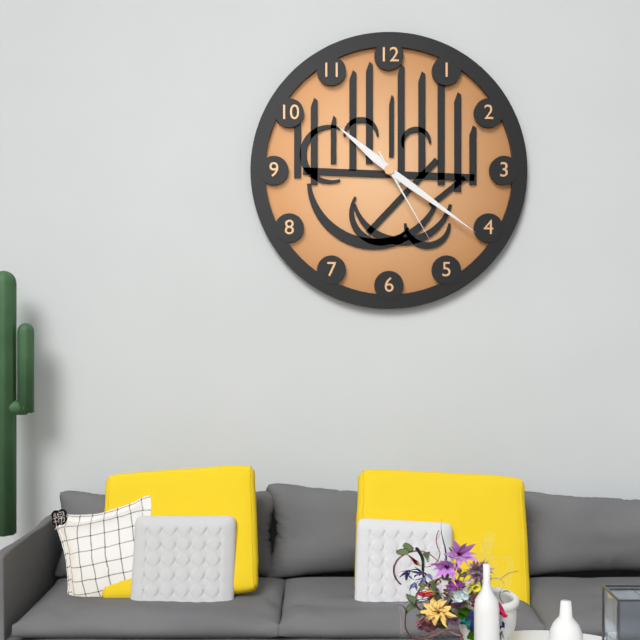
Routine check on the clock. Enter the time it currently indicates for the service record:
10:21:25
